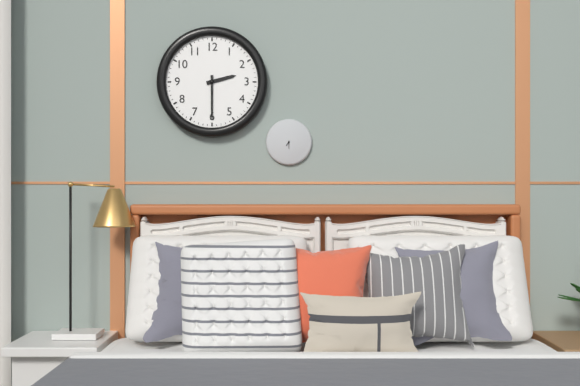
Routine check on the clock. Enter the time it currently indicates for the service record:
2:30
